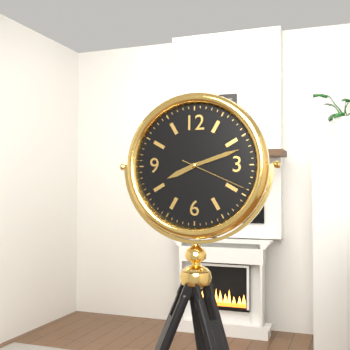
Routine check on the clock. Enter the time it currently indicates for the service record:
8:12:19
